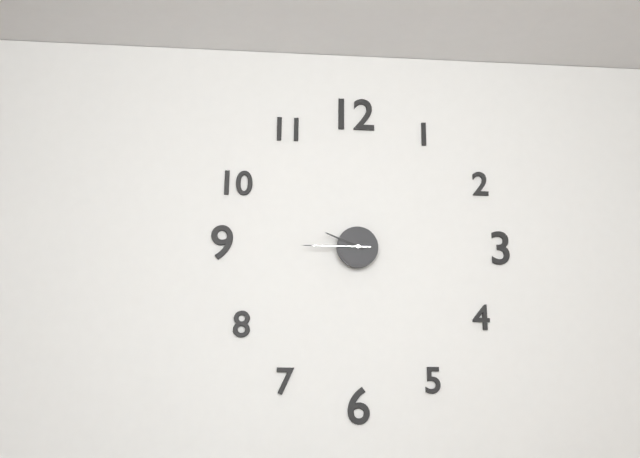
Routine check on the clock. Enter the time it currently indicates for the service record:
9:45:45
